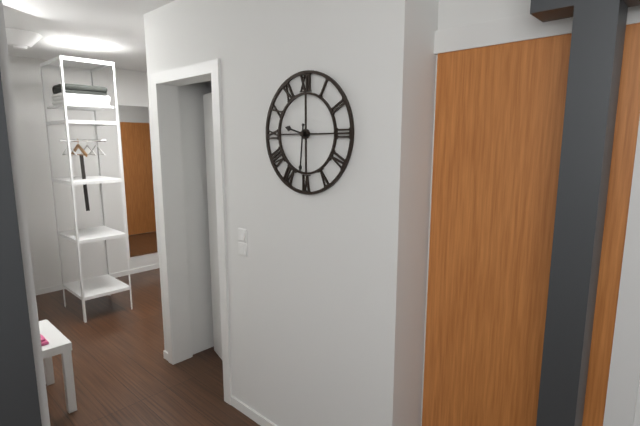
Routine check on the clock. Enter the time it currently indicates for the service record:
9:31
